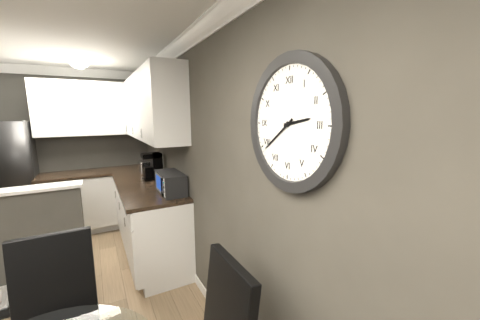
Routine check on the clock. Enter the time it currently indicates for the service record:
2:39
